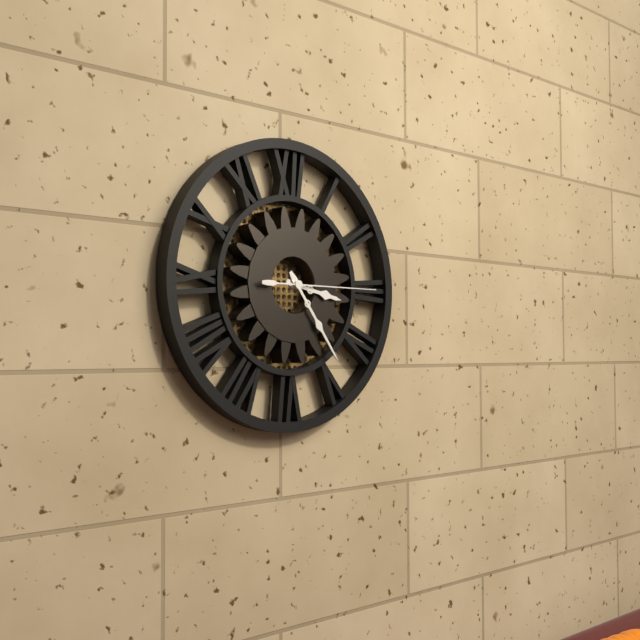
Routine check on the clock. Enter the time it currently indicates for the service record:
3:24:15
